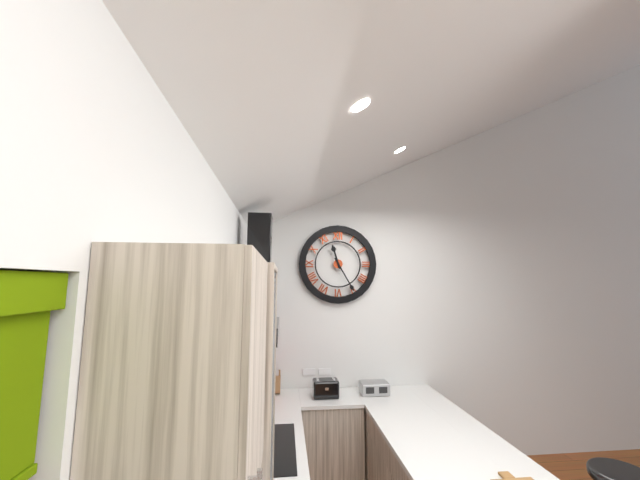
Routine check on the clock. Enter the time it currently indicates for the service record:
11:25
